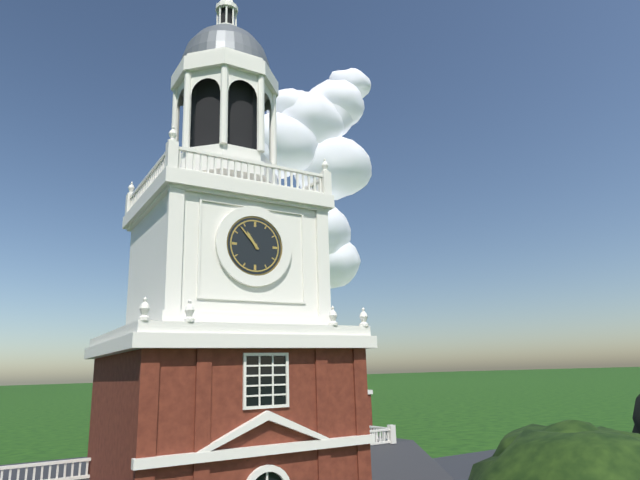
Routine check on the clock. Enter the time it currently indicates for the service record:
10:53
